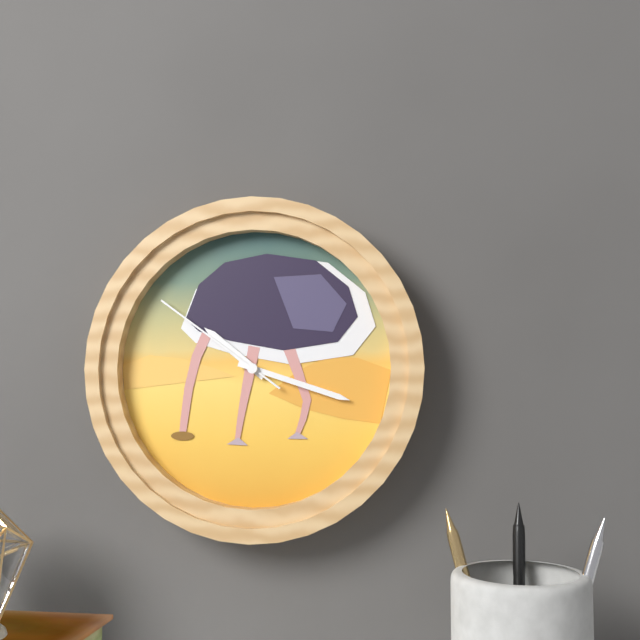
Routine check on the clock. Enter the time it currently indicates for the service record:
10:18:51
